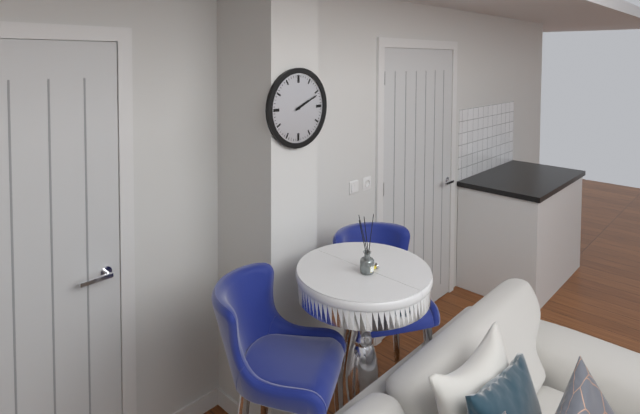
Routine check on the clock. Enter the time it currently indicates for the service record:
2:11
